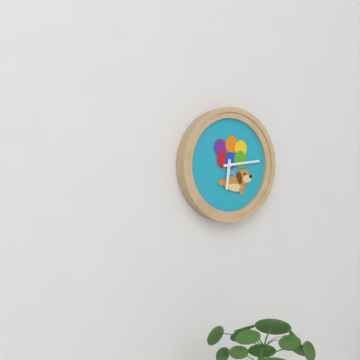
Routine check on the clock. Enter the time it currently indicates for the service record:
6:14
